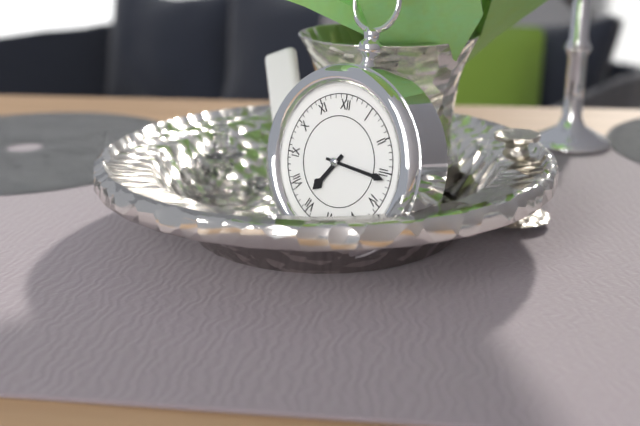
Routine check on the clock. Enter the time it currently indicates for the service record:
7:16
